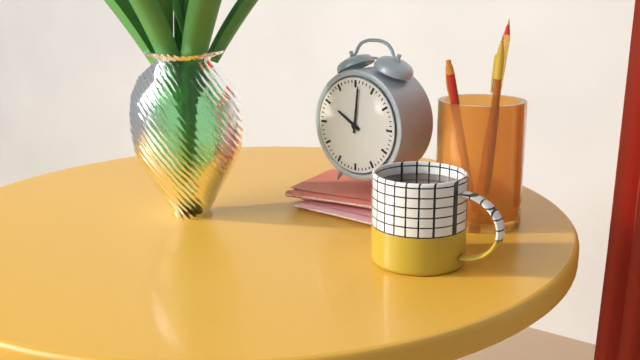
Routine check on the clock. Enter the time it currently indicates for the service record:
10:01
